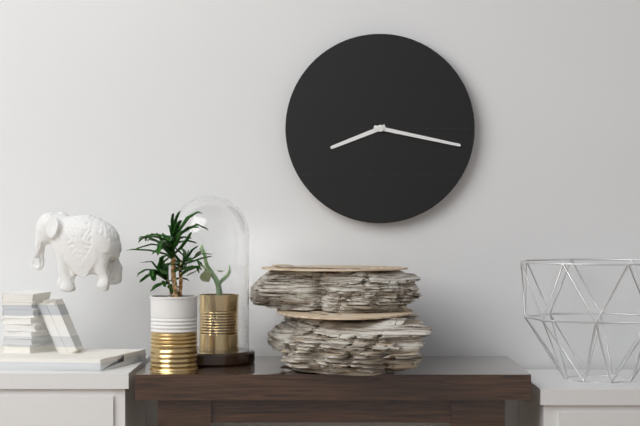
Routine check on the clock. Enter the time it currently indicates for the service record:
8:17
